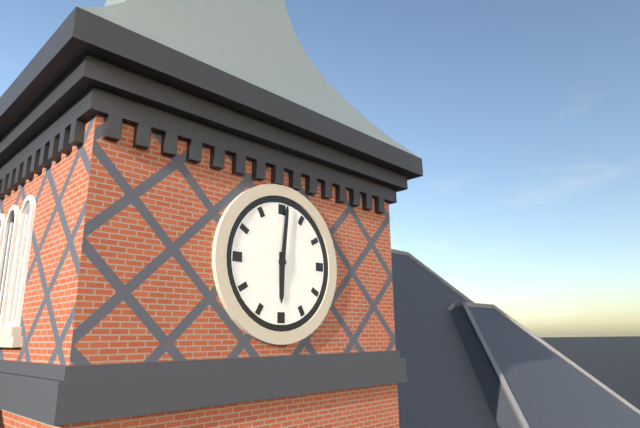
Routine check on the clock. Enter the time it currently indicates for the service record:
6:01
